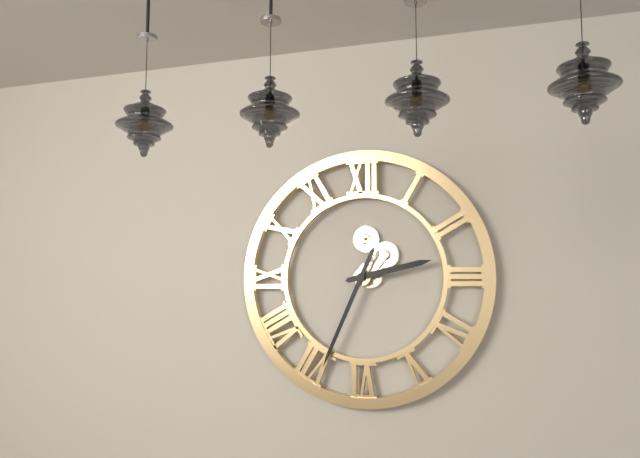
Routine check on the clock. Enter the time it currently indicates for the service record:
2:34
